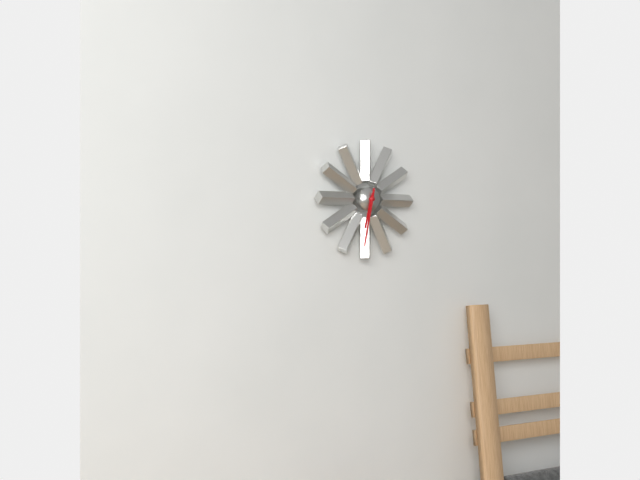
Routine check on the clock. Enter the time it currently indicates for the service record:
6:32
